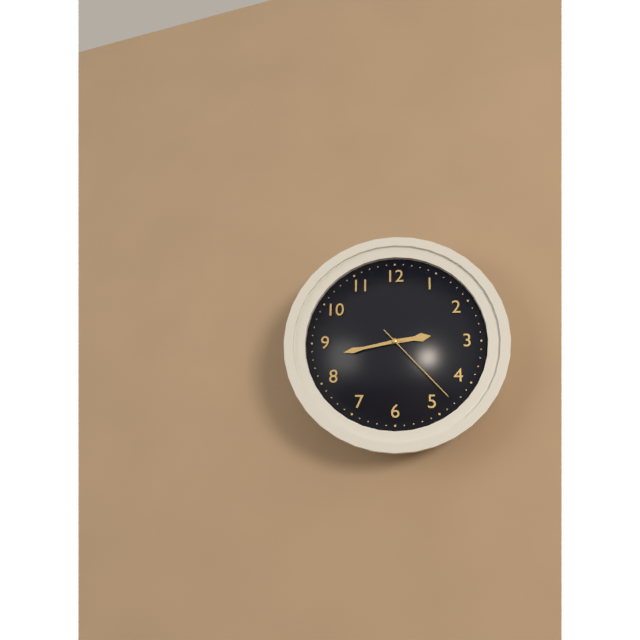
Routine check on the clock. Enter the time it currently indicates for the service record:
2:43:23
